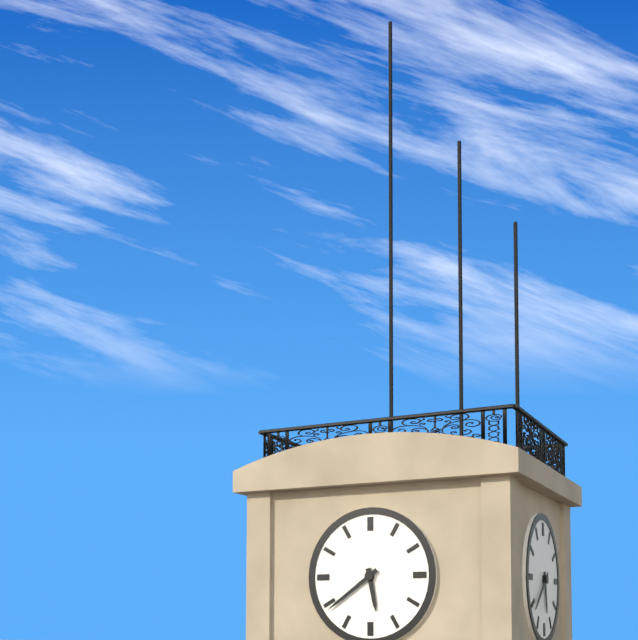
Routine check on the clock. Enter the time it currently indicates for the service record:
5:39
